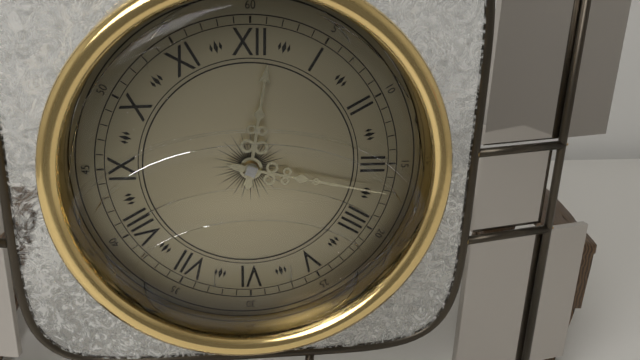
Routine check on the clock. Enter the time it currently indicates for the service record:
12:17
